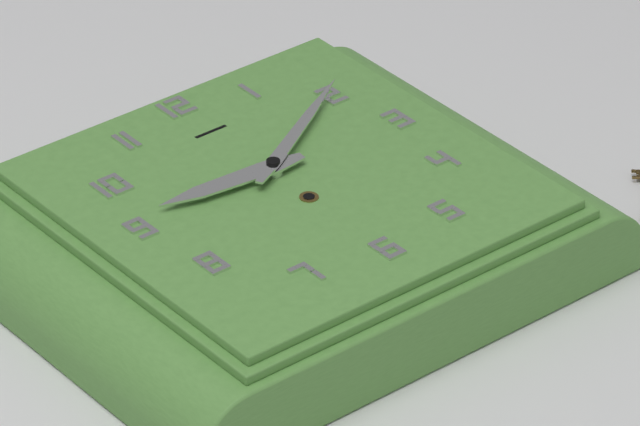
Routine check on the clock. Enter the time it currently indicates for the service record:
9:10
